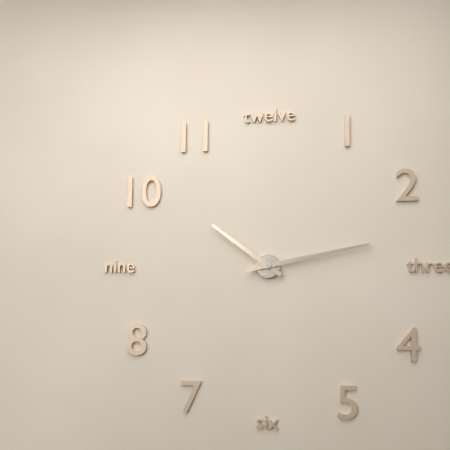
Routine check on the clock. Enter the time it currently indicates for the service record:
10:13
